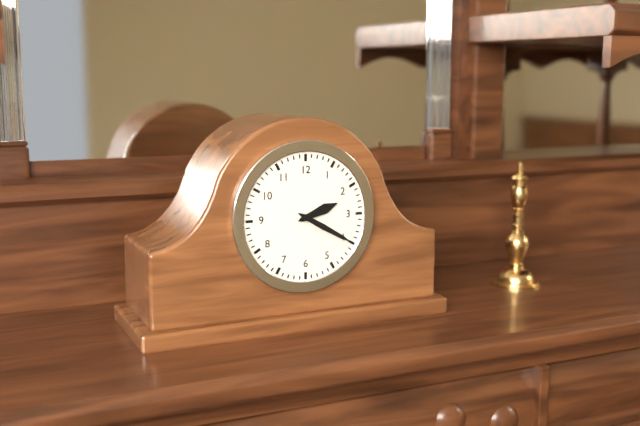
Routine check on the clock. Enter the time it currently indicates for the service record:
2:20
